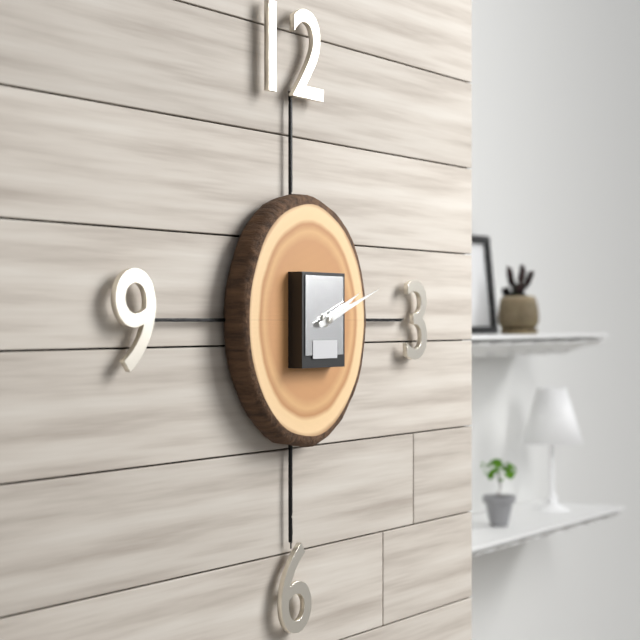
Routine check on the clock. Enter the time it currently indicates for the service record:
2:12
